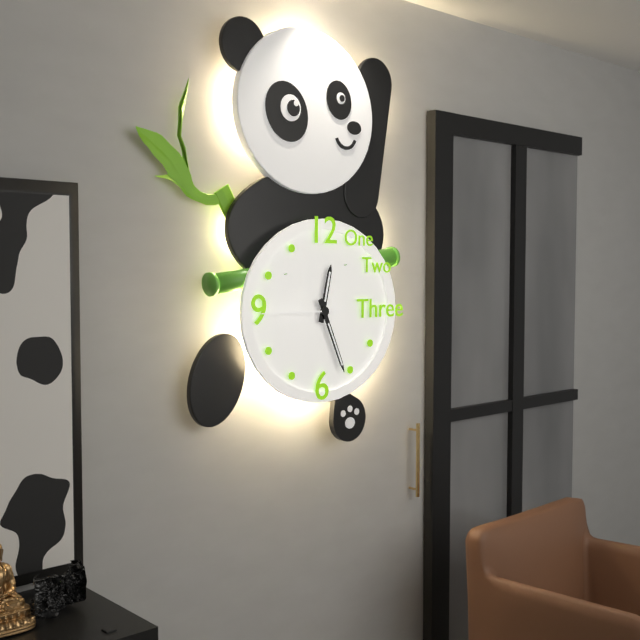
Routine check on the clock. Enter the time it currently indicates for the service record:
12:26:45
